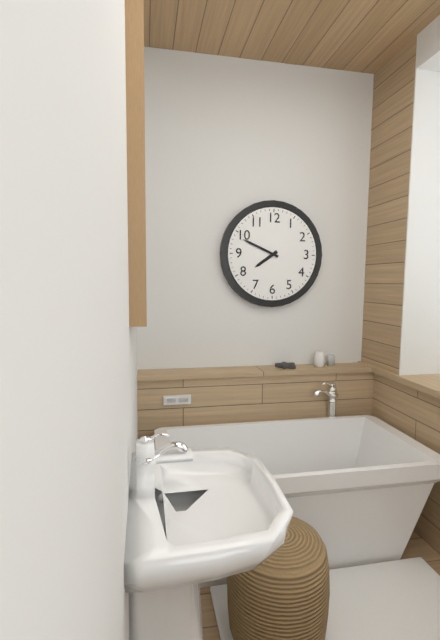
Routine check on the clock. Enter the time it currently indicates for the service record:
7:49
